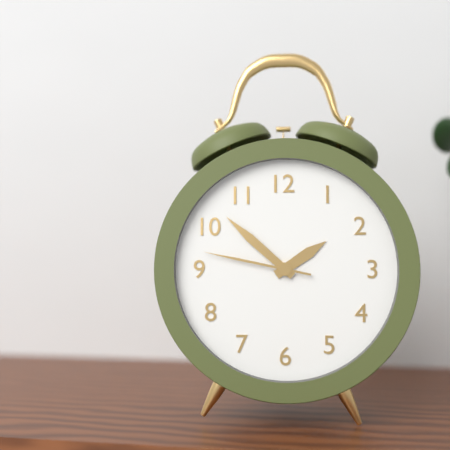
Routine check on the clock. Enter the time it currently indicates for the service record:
1:52:47
